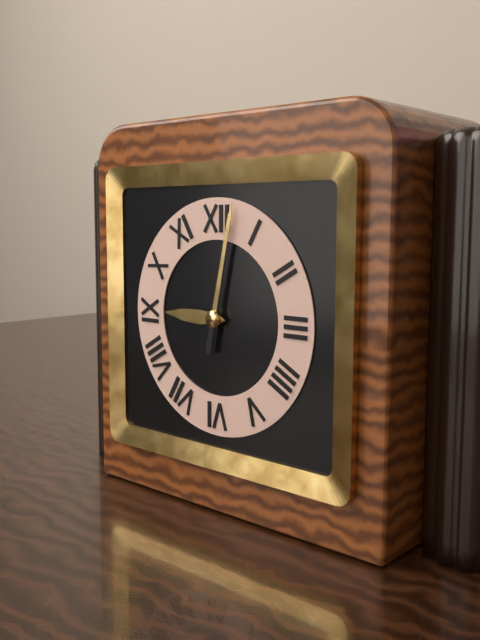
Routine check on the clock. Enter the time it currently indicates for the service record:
9:02
